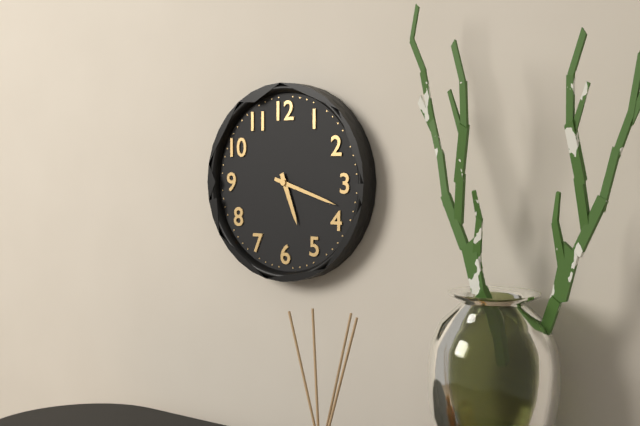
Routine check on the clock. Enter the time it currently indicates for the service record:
5:18
